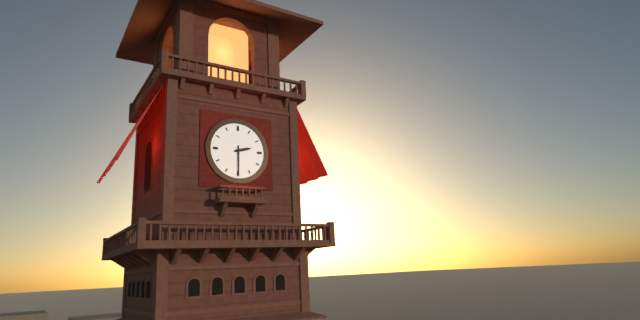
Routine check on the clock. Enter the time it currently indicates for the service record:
2:30
